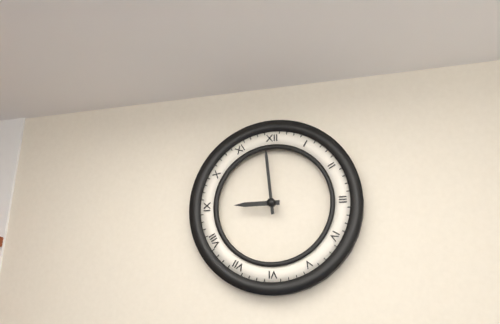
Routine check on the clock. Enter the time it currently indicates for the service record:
8:59
